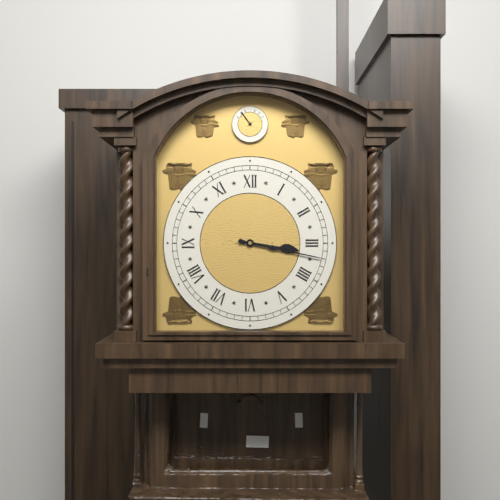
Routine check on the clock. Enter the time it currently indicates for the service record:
3:17
